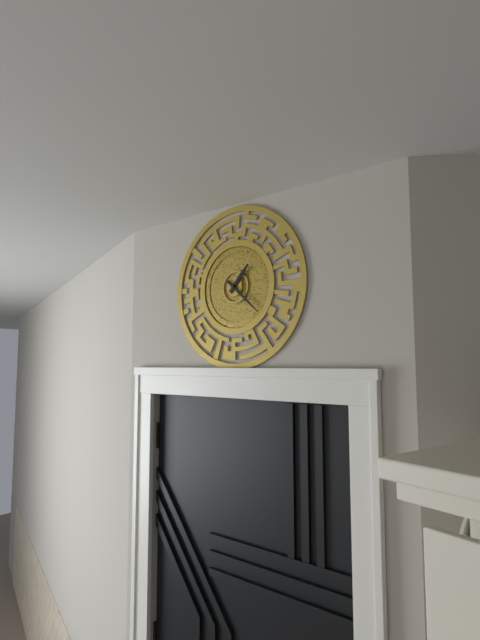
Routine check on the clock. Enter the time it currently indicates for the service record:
1:22
